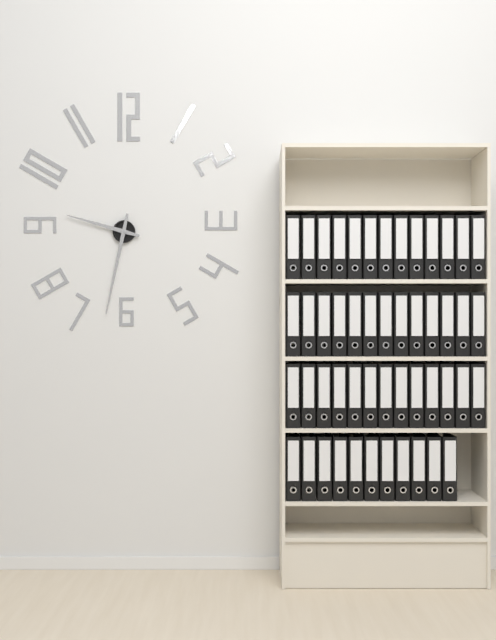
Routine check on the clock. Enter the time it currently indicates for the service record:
9:32
